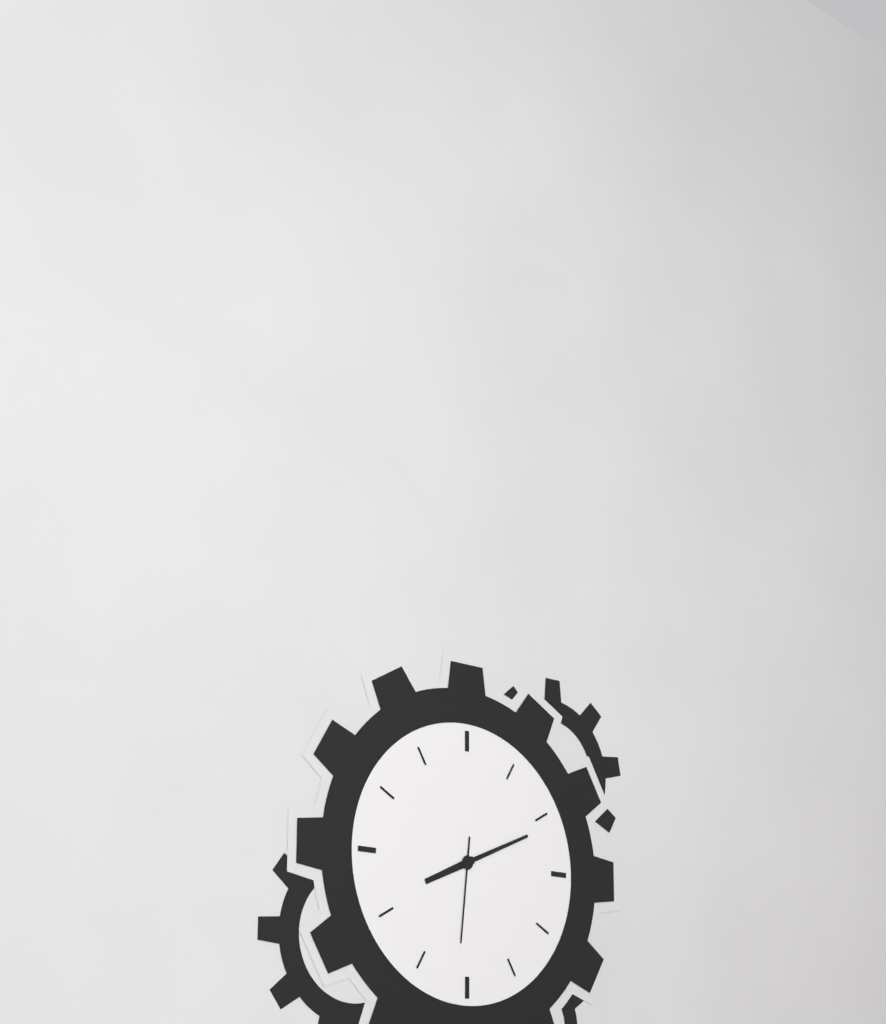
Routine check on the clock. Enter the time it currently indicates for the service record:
8:11:31
